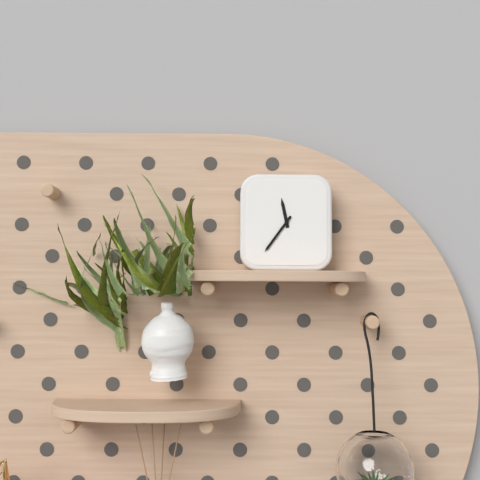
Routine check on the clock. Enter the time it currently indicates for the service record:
11:36
